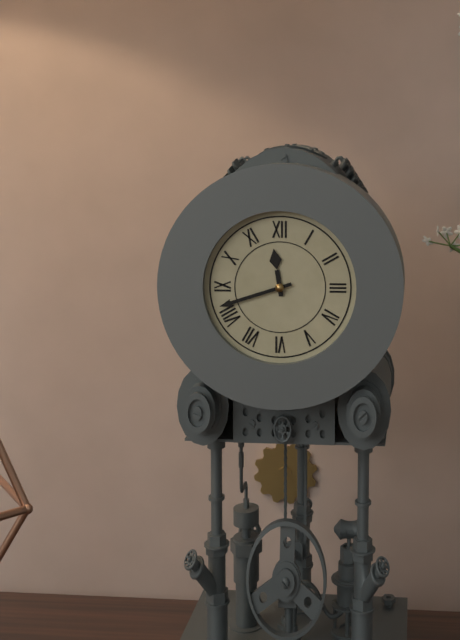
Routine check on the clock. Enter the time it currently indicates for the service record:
11:42
